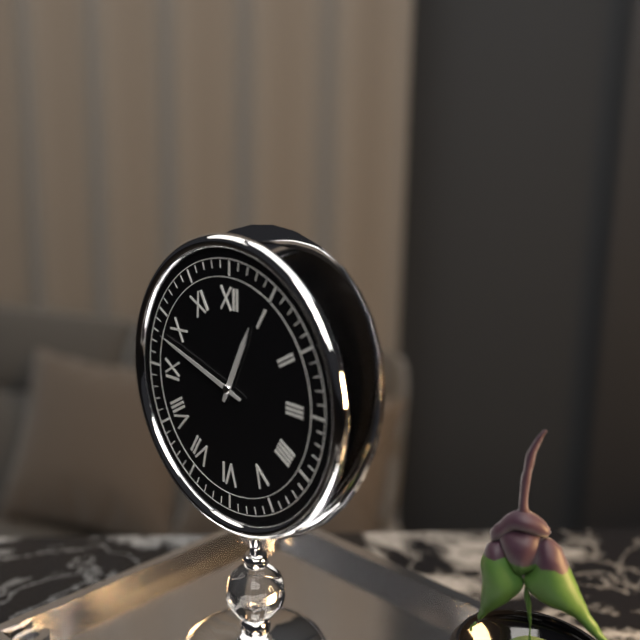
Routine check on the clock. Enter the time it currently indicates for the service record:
12:48
